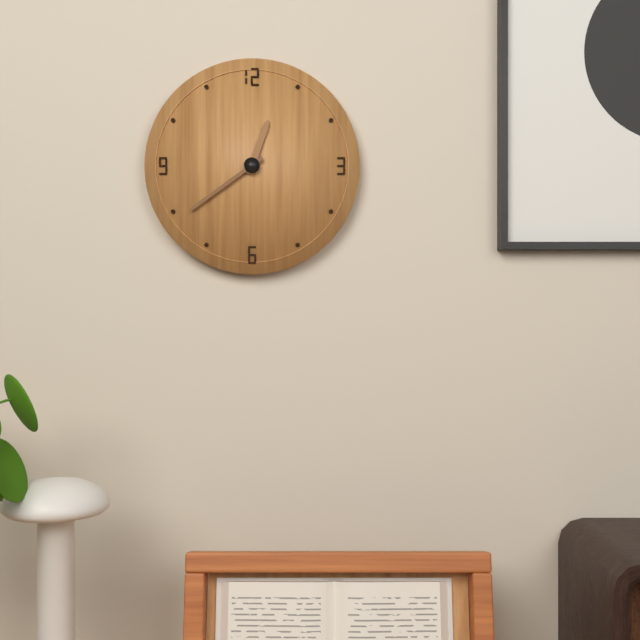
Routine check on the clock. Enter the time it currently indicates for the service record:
12:39
